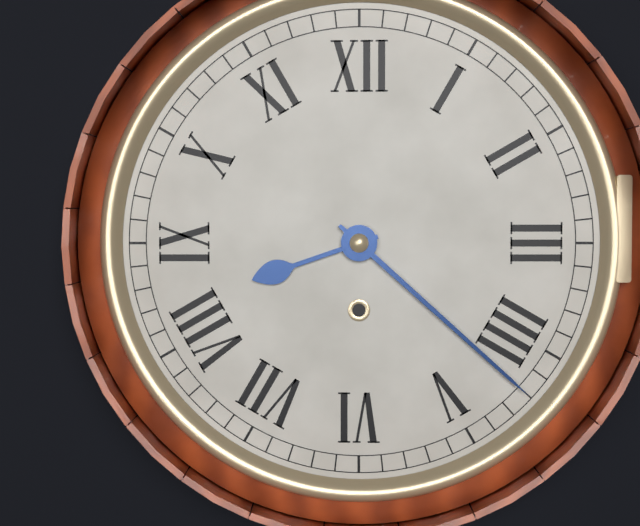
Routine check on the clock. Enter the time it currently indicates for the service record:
8:22
